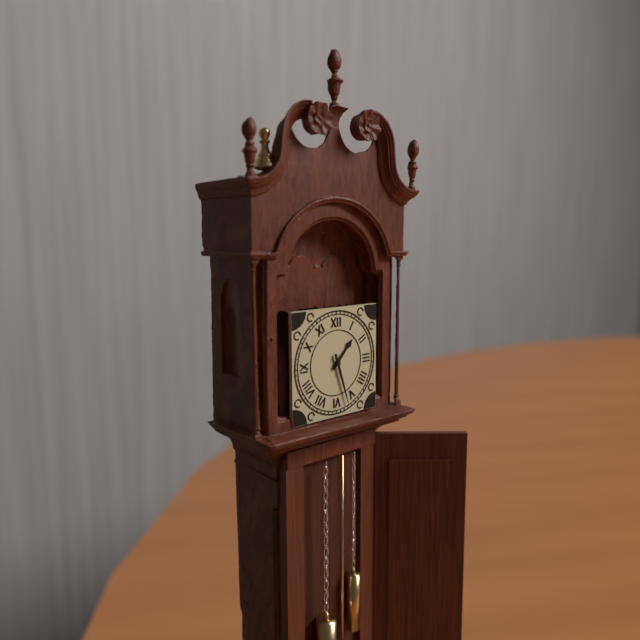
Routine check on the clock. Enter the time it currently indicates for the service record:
1:27
